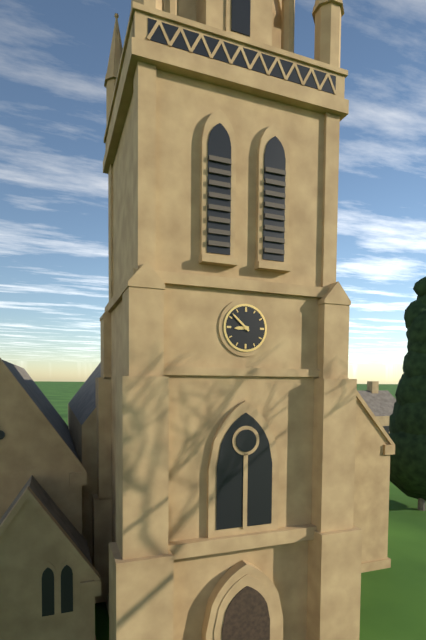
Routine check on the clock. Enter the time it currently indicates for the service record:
8:52
